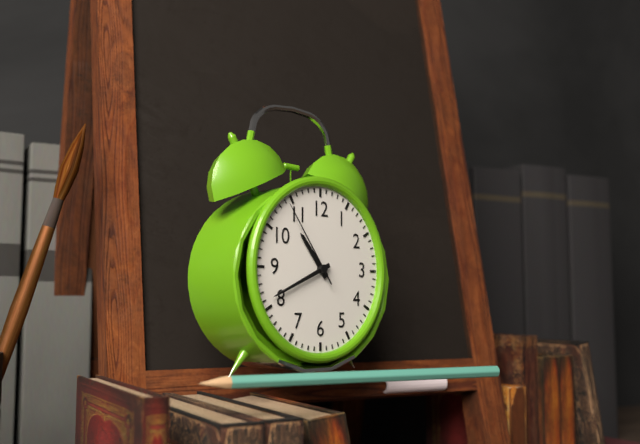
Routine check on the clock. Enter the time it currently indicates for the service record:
10:41:54
